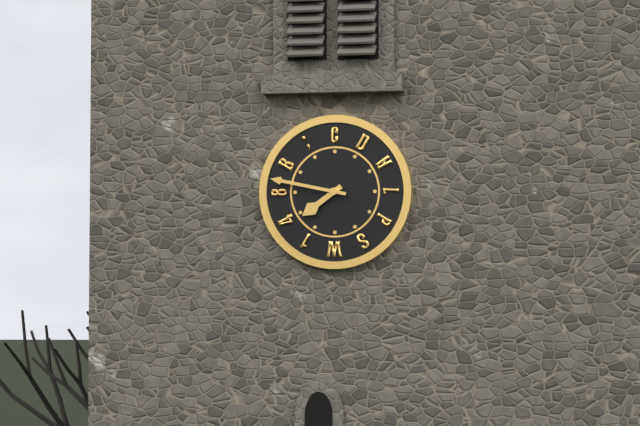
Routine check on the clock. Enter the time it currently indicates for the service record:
7:47
